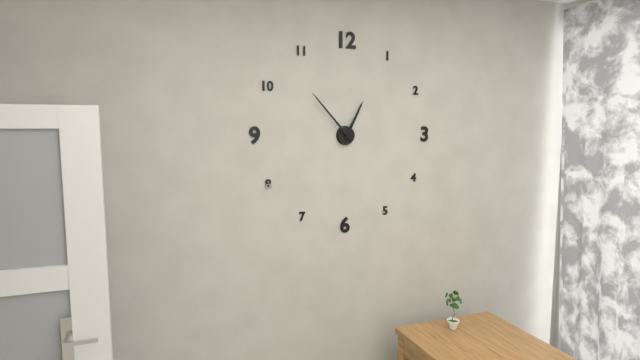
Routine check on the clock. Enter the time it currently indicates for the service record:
12:53
